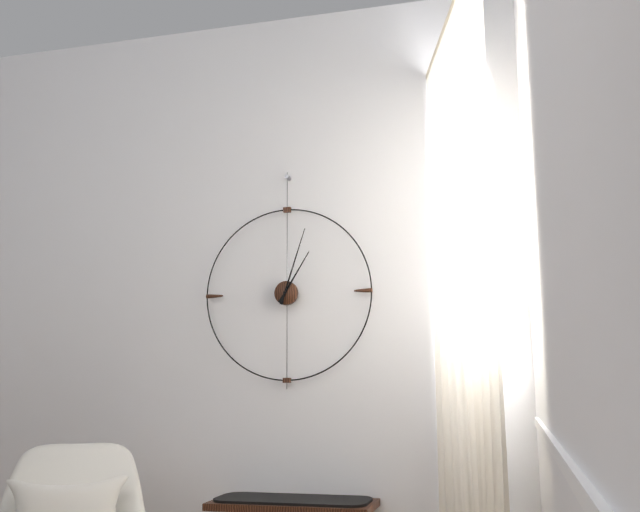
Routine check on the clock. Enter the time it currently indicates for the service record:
1:03
